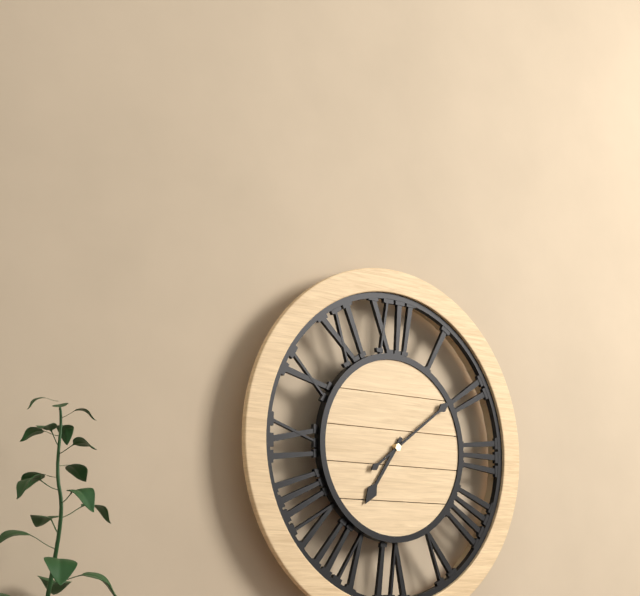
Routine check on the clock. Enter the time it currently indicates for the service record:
7:09
